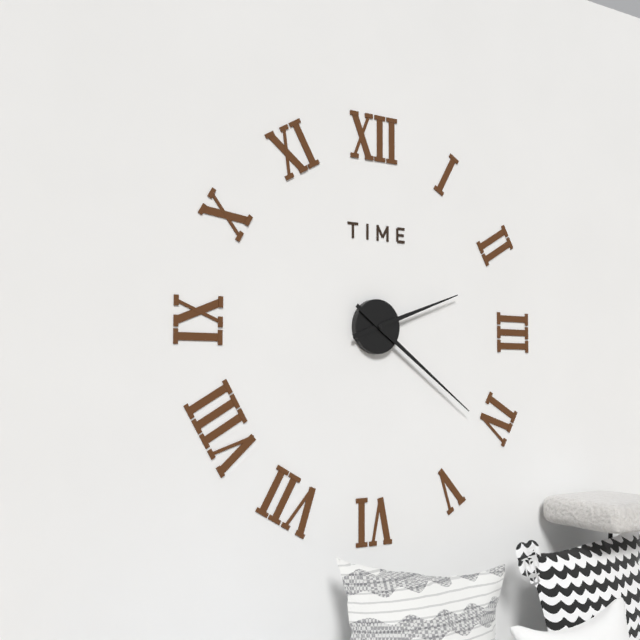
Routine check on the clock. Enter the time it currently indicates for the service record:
2:21
